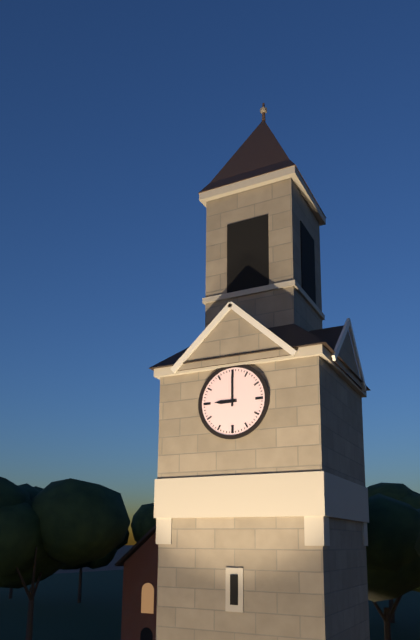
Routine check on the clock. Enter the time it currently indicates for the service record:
9:00
